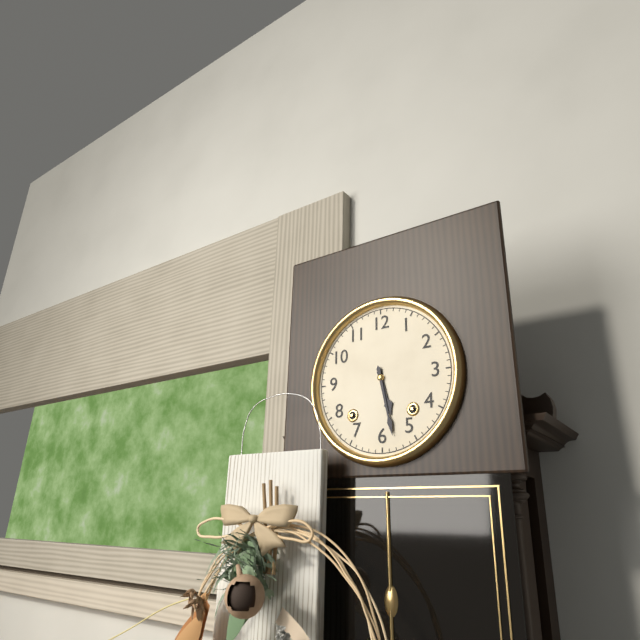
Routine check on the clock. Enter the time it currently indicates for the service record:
5:28
